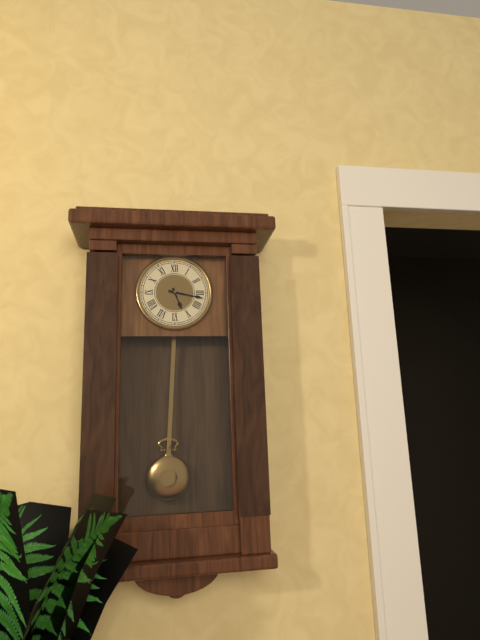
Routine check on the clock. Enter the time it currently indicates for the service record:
5:17
